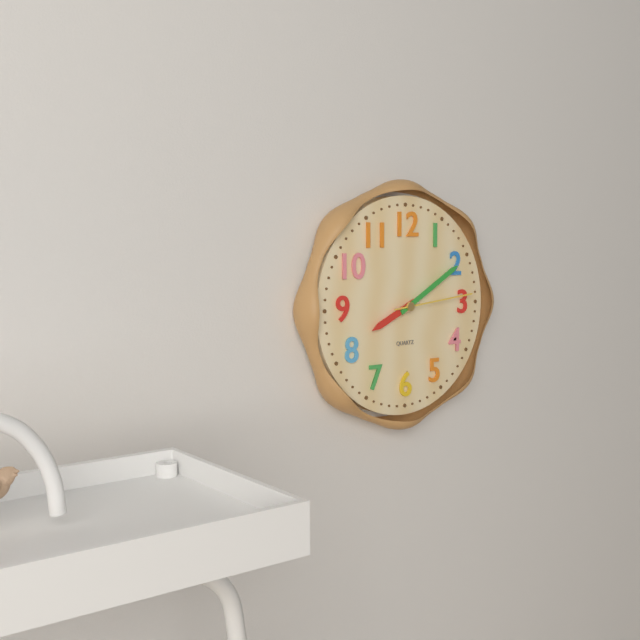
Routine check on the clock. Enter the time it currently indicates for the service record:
8:10:14
